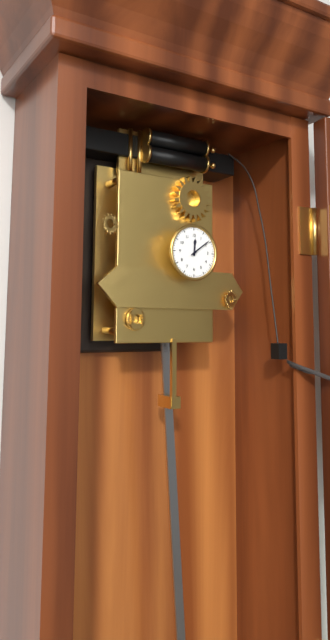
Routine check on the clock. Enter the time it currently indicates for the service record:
12:09
